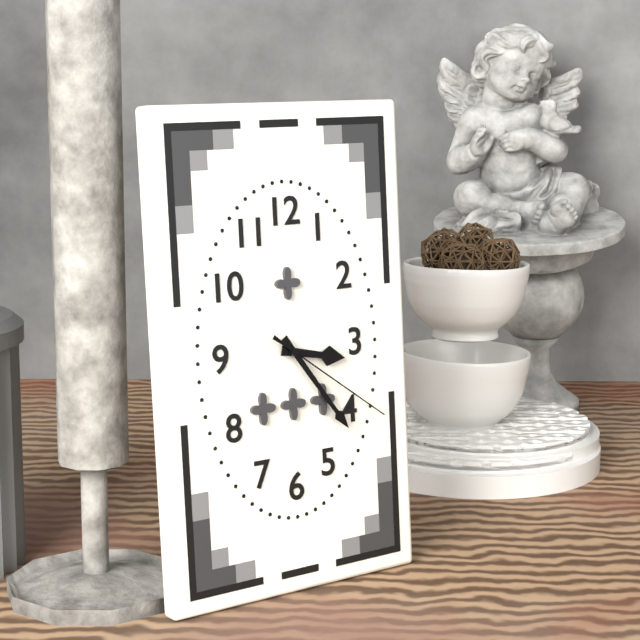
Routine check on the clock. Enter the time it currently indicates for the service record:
3:24:21
